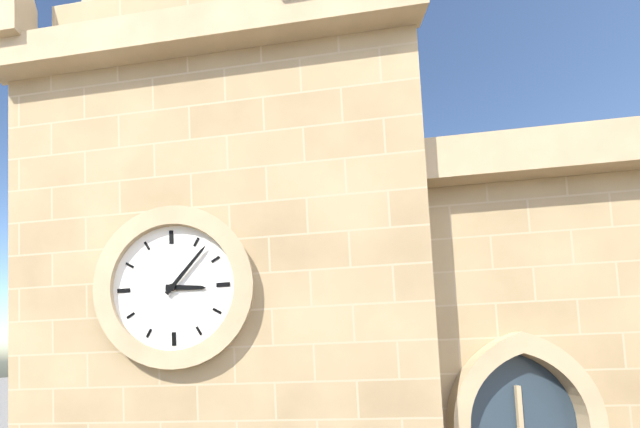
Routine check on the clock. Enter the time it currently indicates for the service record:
3:07
